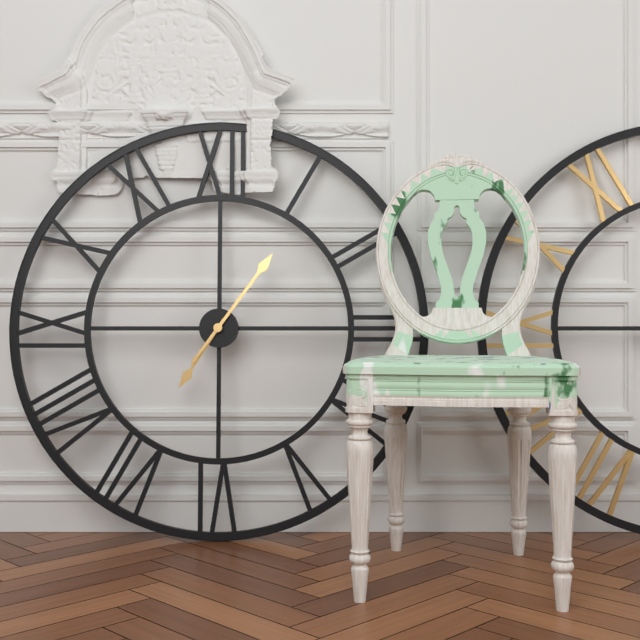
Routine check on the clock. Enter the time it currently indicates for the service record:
7:06
